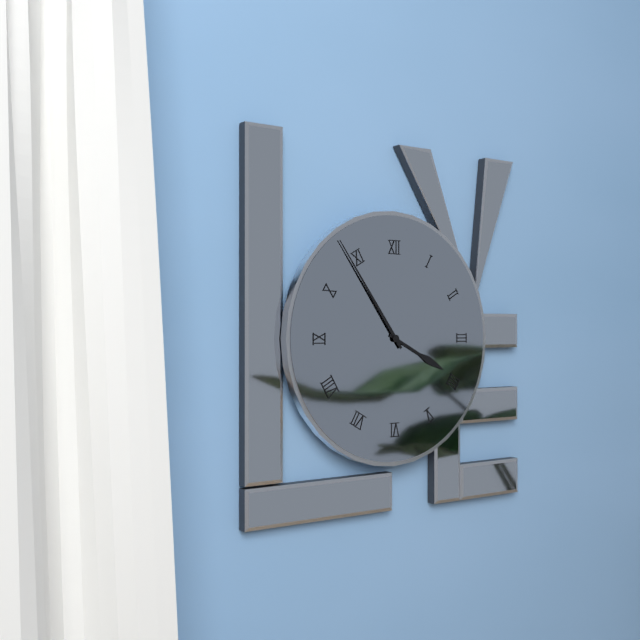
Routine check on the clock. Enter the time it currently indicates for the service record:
3:54
